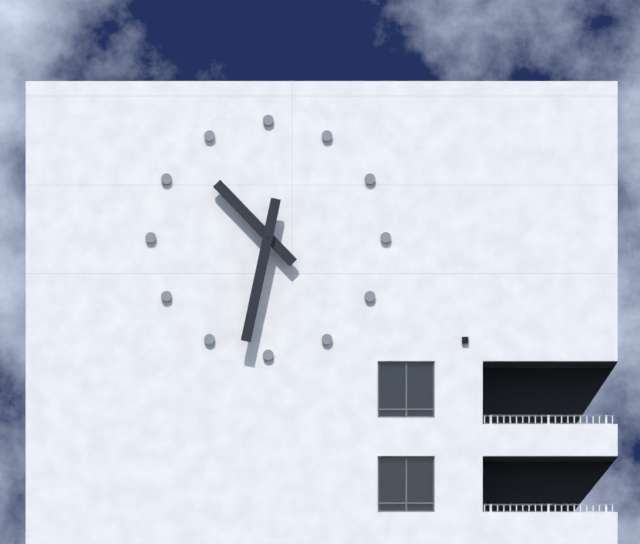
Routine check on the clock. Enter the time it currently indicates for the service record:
10:32
